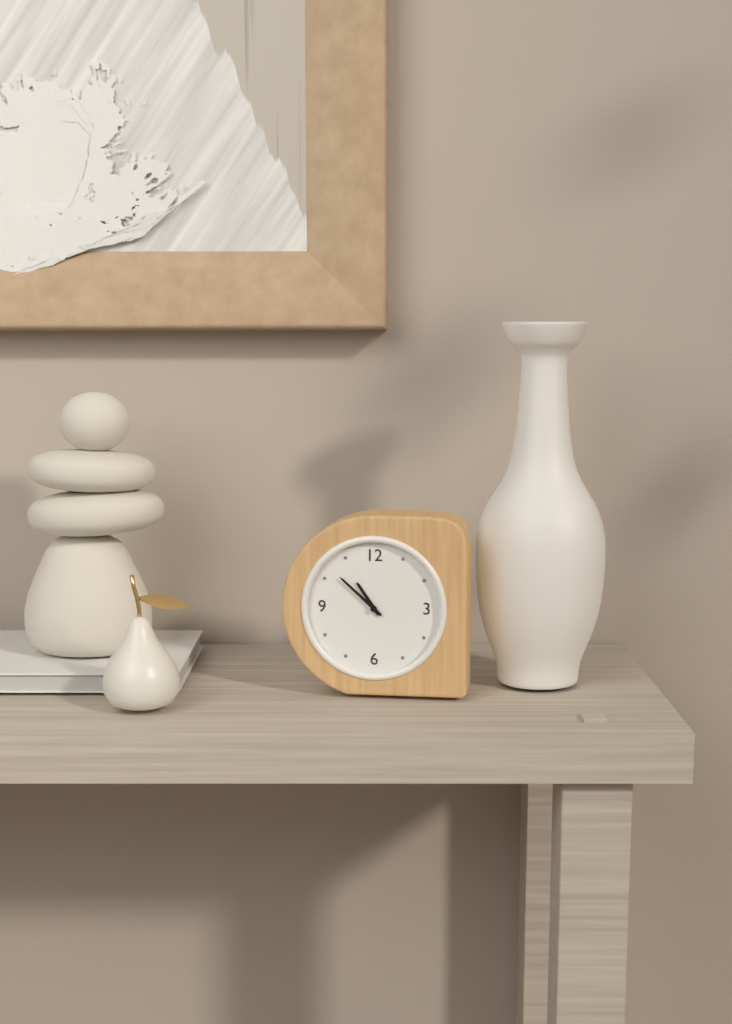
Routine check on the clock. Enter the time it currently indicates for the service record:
10:52
